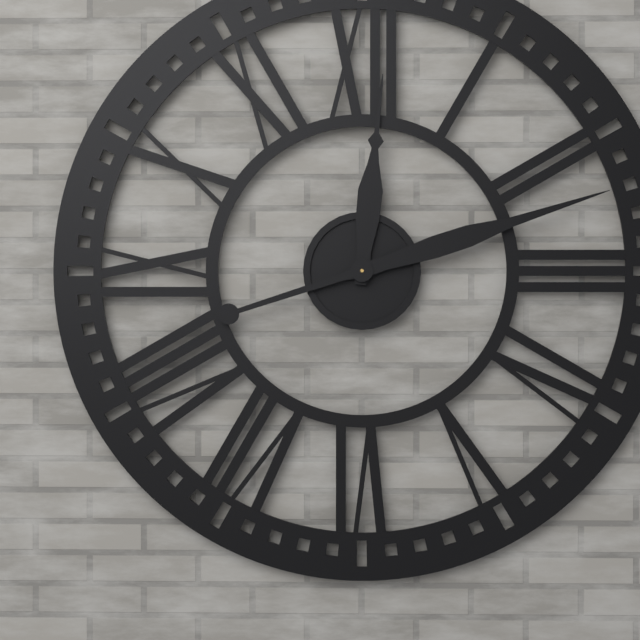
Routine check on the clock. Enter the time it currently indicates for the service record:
12:12
